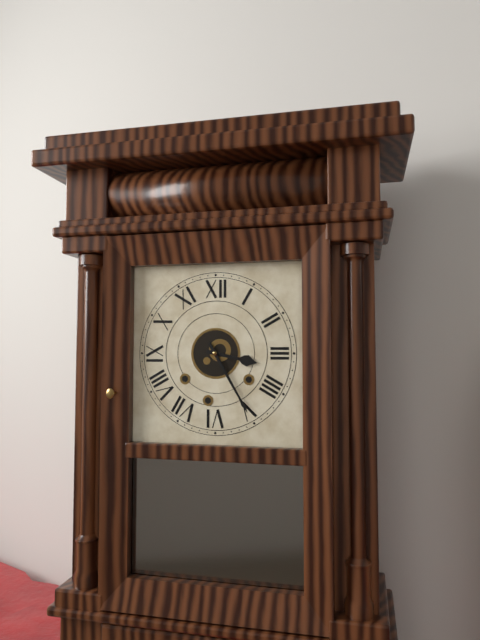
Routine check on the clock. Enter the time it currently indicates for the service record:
3:25
